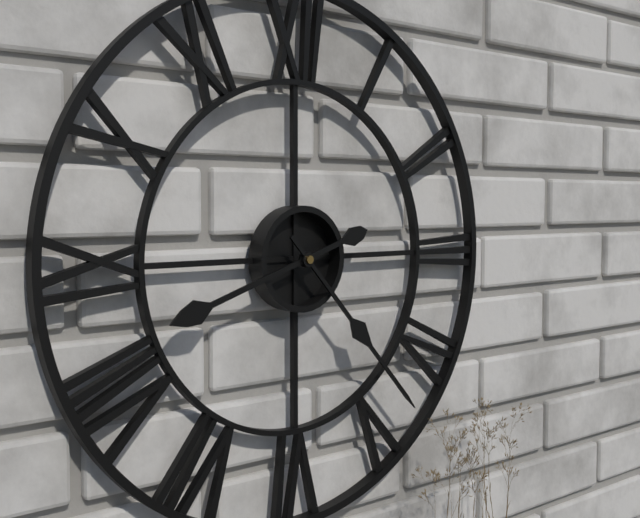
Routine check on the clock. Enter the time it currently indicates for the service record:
8:23
